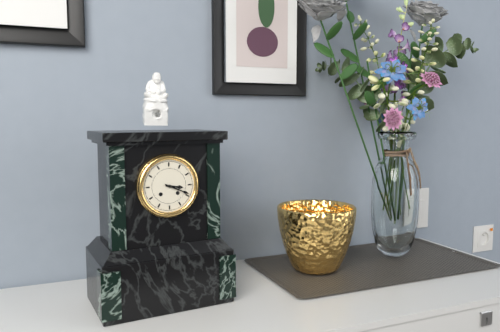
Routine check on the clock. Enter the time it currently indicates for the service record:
3:19
